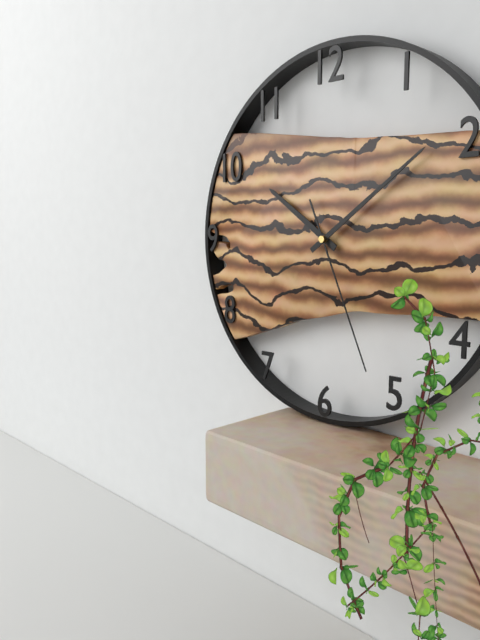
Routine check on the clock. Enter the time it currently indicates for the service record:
10:09:26
